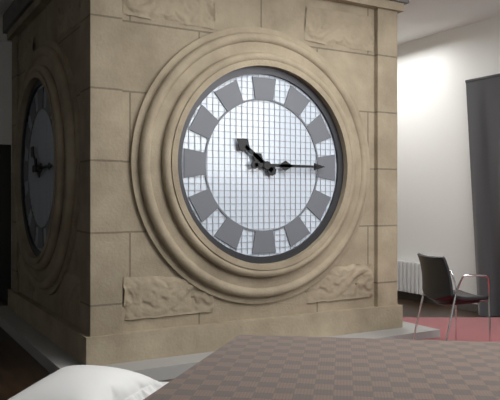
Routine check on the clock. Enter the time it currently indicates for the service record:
10:15
